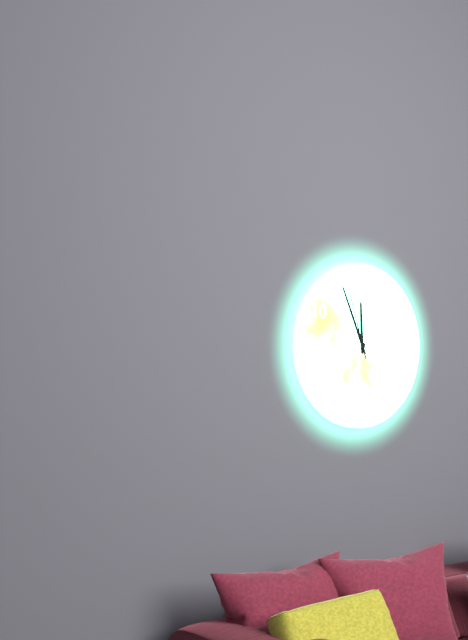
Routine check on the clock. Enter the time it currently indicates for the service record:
11:56:57
